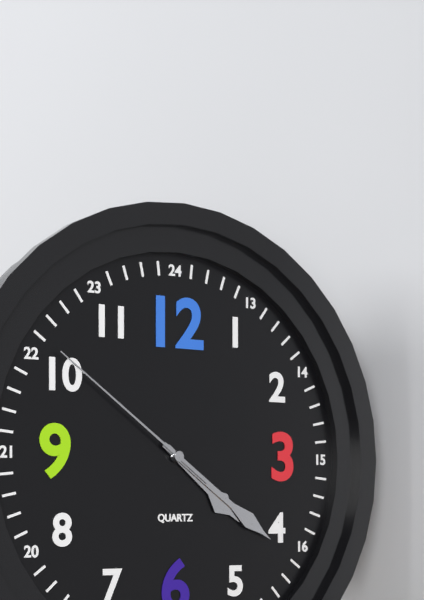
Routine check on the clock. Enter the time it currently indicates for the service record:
4:21:51
